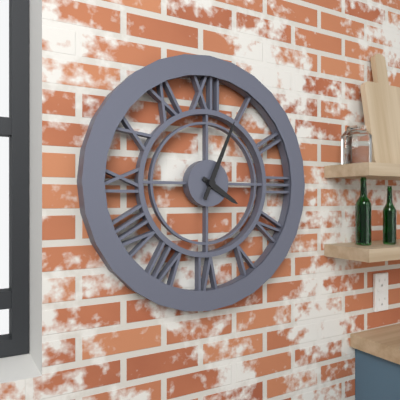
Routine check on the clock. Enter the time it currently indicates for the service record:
4:04
